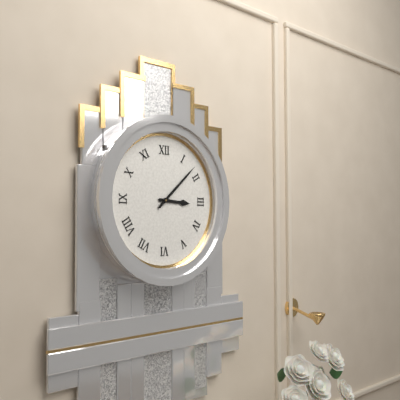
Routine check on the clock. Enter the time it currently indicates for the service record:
3:08
